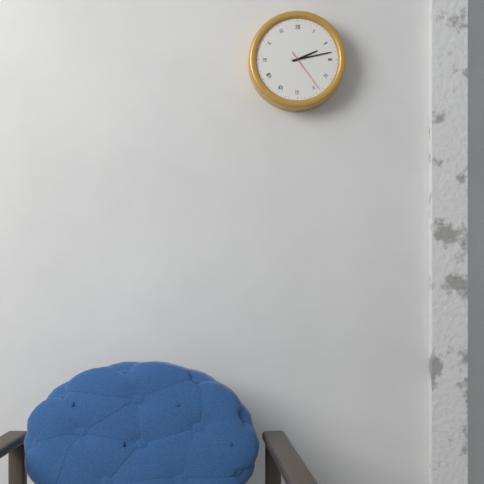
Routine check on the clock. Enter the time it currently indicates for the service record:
2:13
